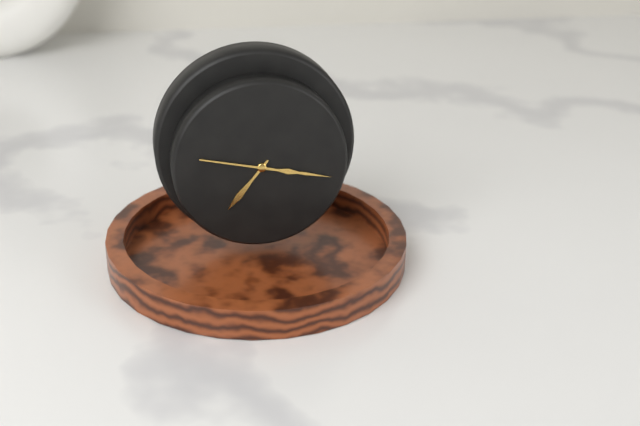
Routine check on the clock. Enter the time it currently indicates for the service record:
7:17
